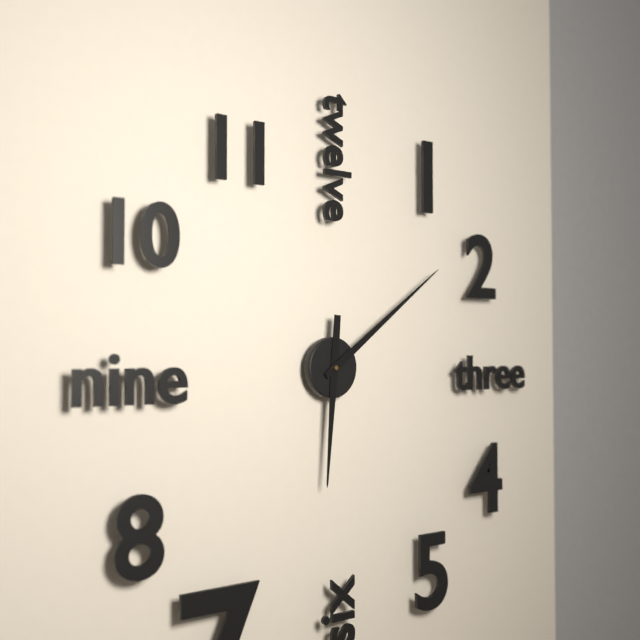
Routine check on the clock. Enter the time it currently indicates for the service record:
6:09
